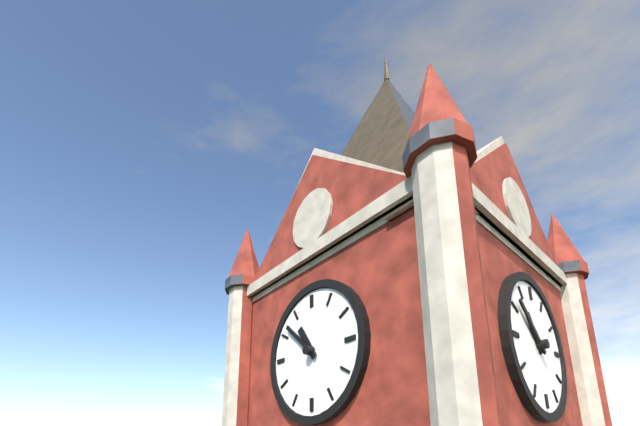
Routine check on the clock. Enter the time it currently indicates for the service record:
10:52
